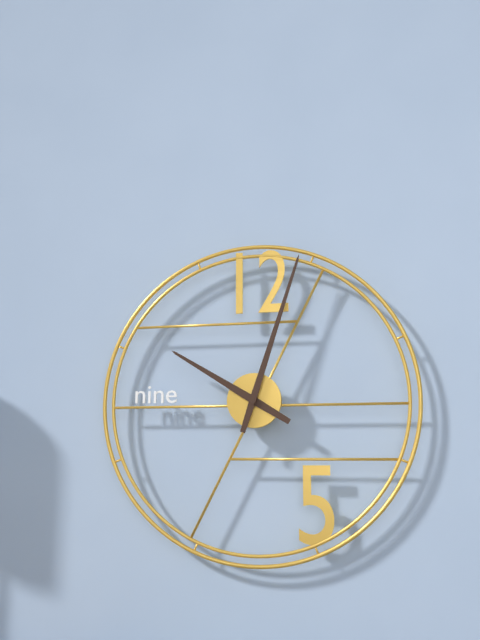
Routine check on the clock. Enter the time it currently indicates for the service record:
10:03
